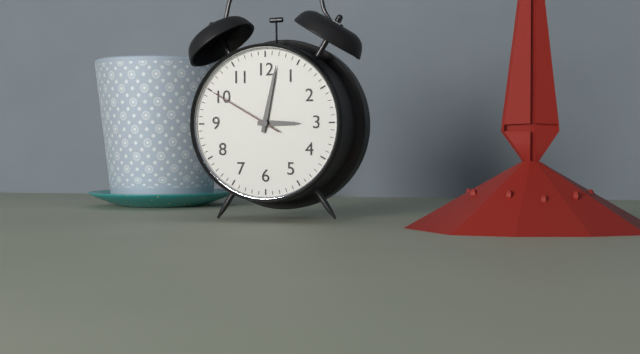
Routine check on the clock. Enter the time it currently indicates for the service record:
3:02:50
